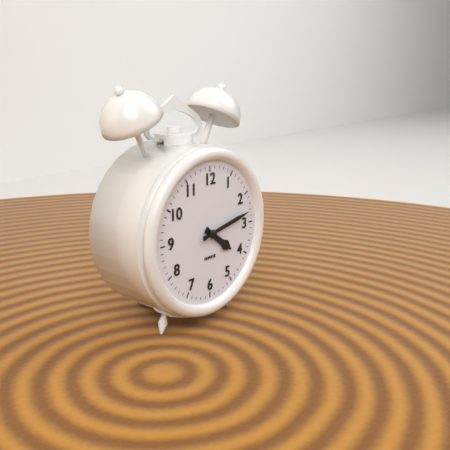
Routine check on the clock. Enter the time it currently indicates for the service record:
4:13
